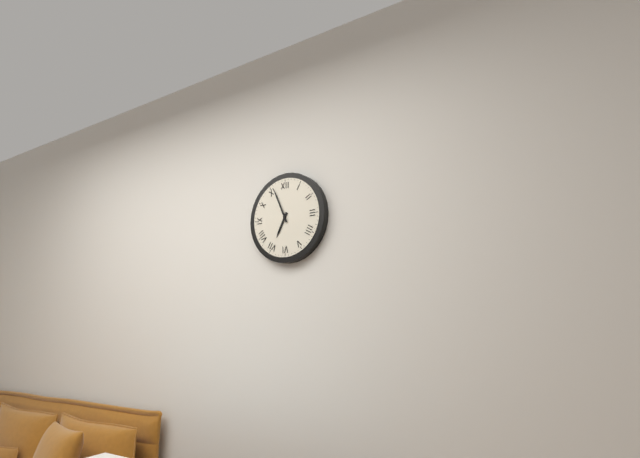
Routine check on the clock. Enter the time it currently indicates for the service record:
6:56
